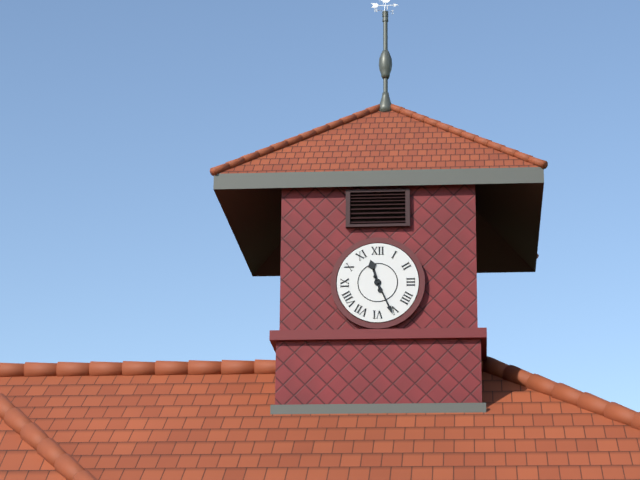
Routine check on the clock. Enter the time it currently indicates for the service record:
11:26
